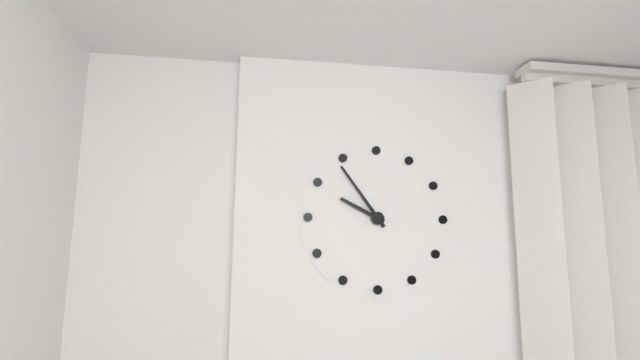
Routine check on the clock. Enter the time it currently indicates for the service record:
9:54
